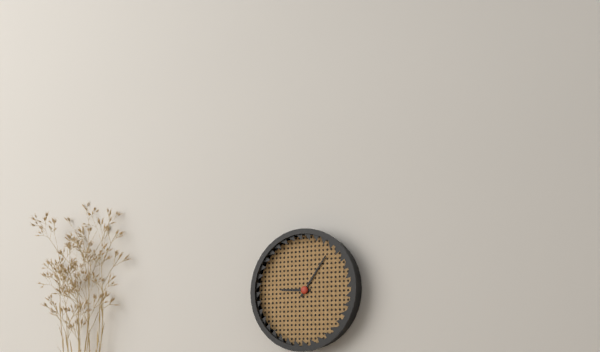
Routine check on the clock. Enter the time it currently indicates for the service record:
9:06
